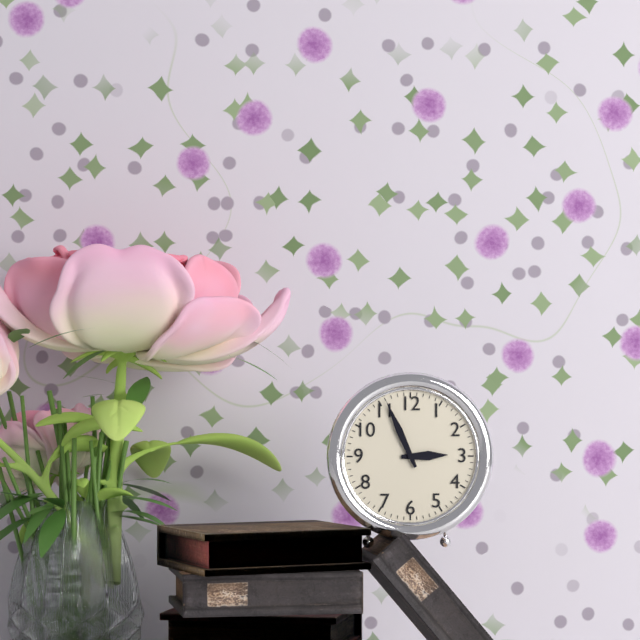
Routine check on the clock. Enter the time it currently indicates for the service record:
2:56
